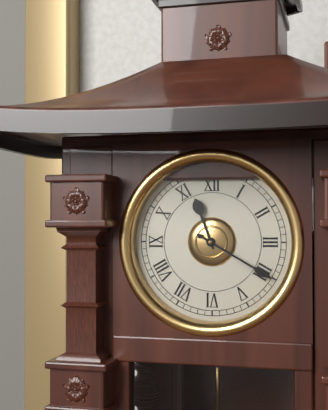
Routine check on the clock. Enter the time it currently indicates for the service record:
11:20
